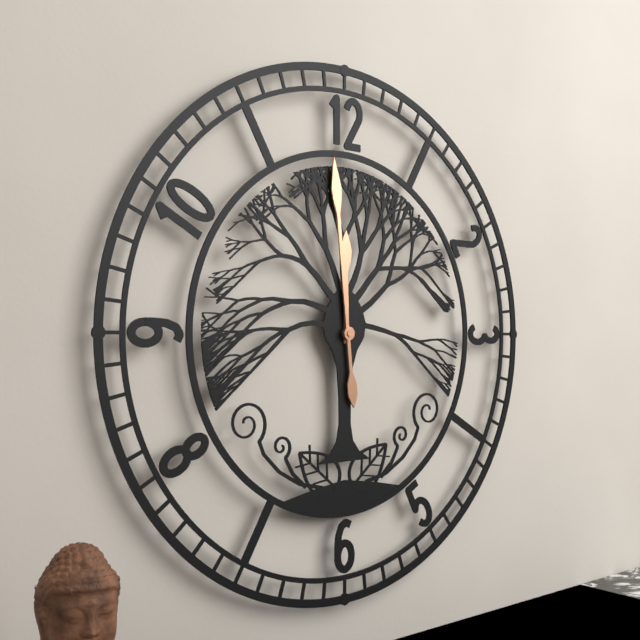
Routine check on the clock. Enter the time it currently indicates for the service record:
11:59
